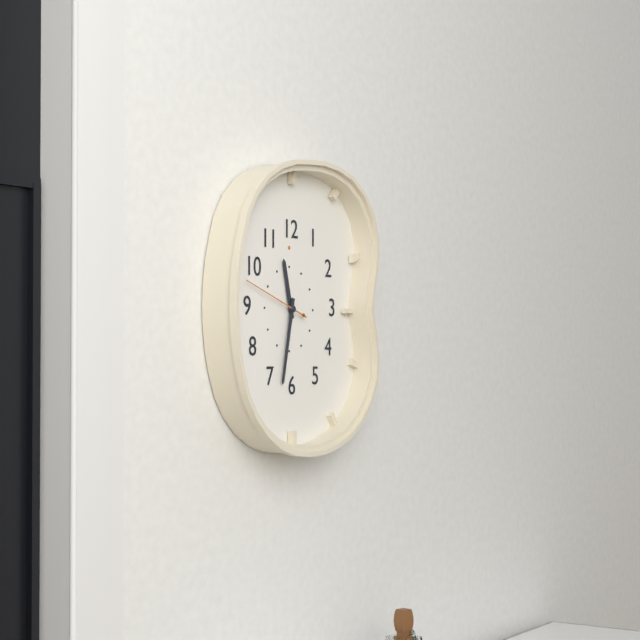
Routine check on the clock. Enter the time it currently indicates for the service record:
11:32:48
